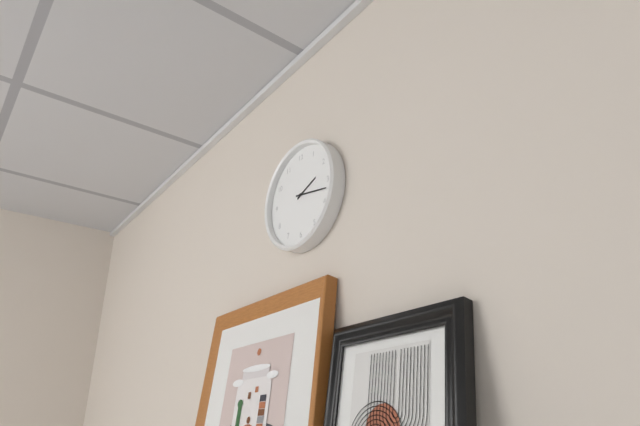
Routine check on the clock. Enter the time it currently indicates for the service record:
2:17
